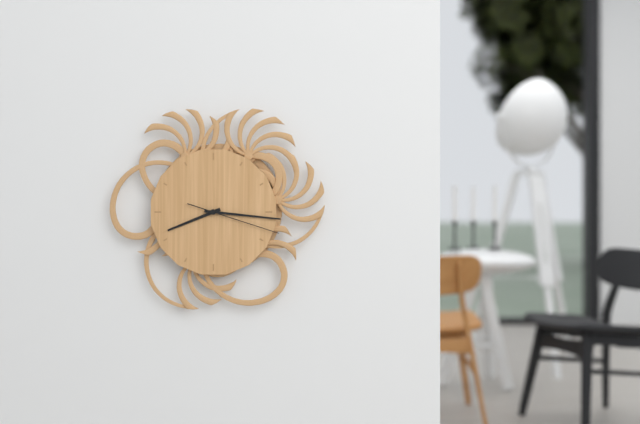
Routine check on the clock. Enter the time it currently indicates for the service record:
8:16:18
